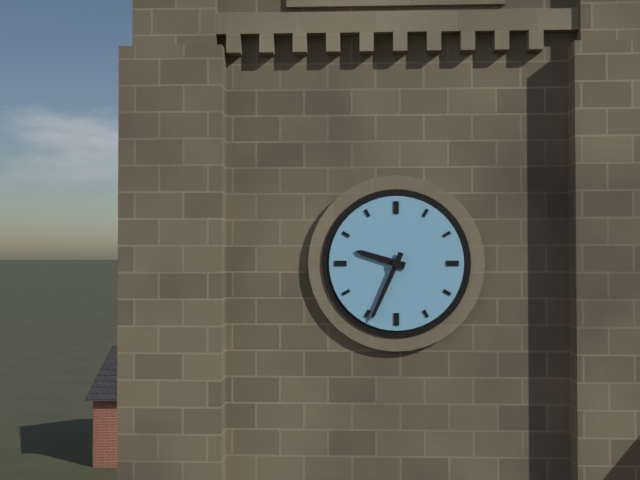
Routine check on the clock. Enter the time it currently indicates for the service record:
9:34
